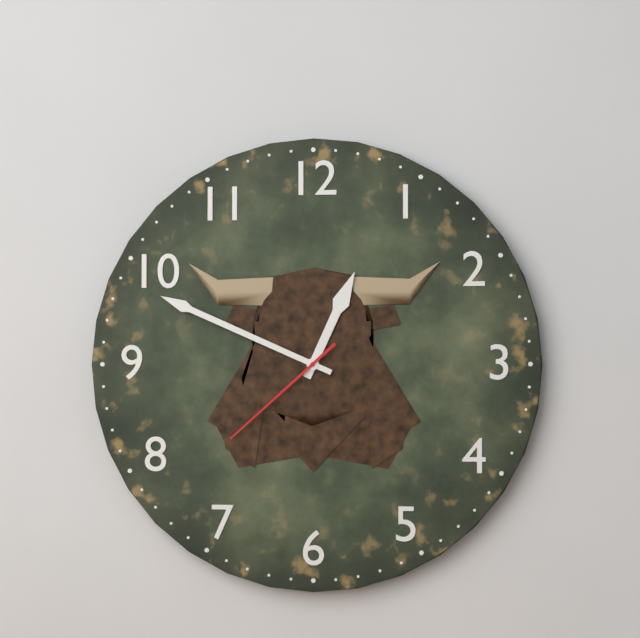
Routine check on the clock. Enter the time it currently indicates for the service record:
12:49:38
